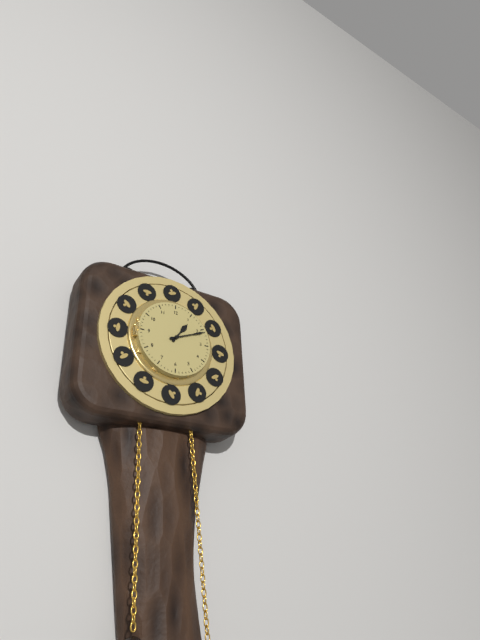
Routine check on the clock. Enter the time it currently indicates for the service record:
1:11
